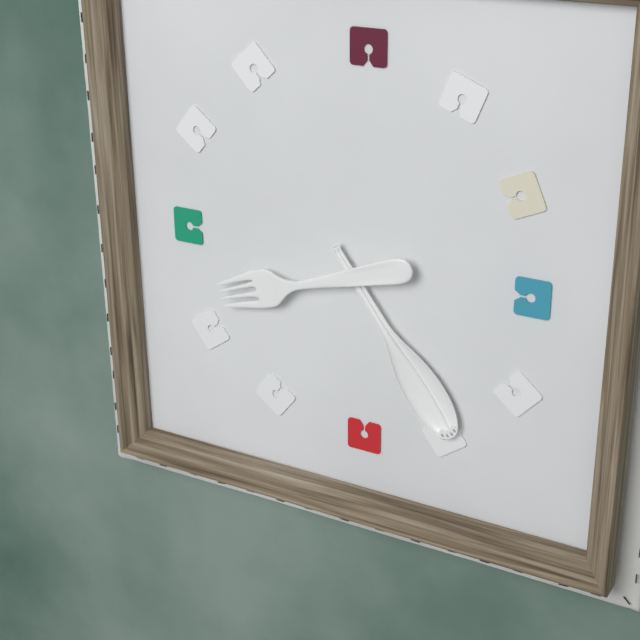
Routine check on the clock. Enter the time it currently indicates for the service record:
8:24
